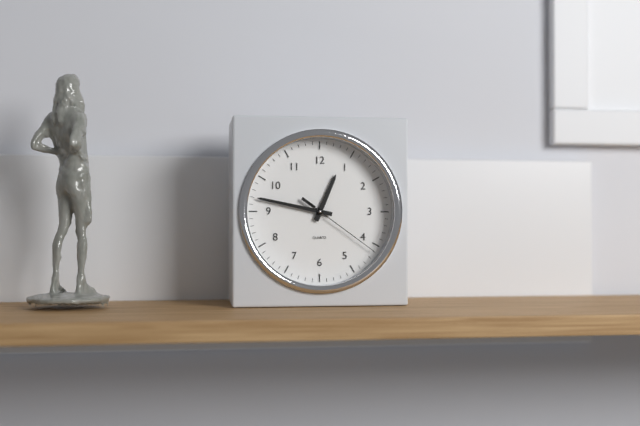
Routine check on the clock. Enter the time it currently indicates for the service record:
12:47:21
